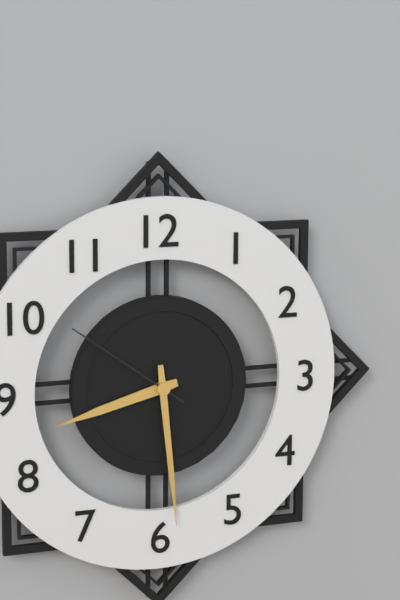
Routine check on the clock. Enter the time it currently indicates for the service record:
8:29:51
